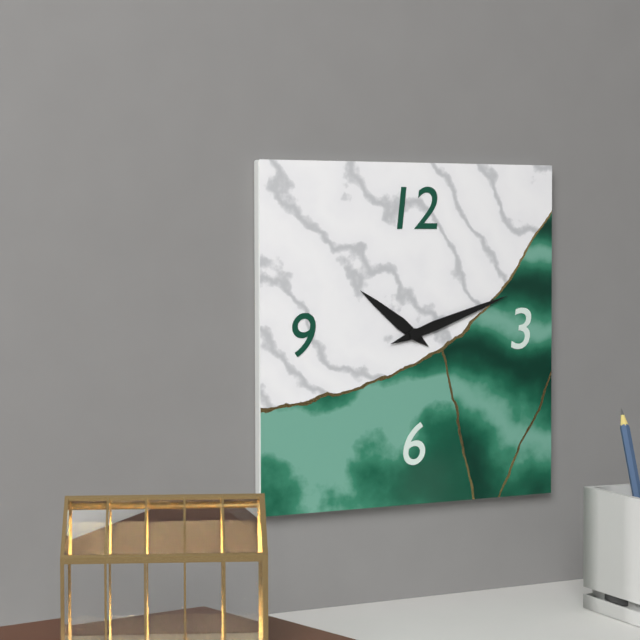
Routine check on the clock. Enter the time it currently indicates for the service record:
10:12
